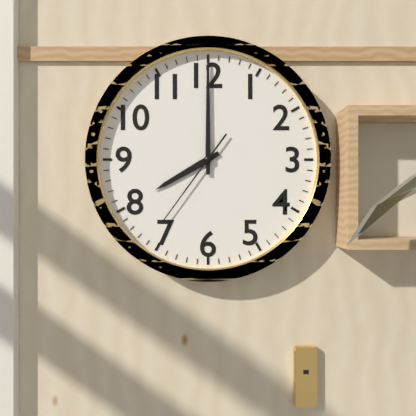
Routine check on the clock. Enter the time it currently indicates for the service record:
8:00:36
